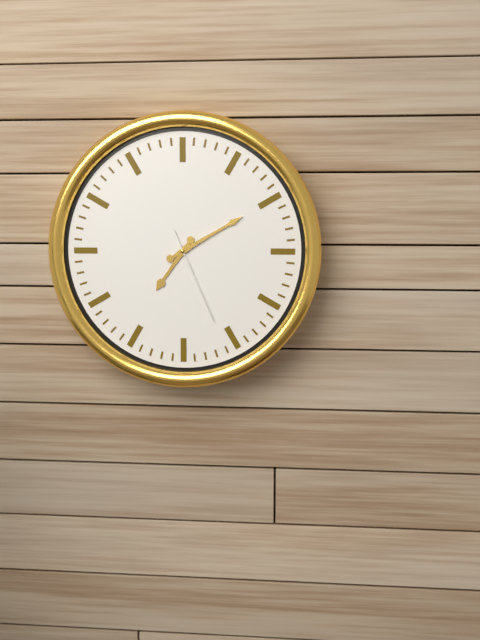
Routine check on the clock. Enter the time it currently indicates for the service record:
7:10:26
